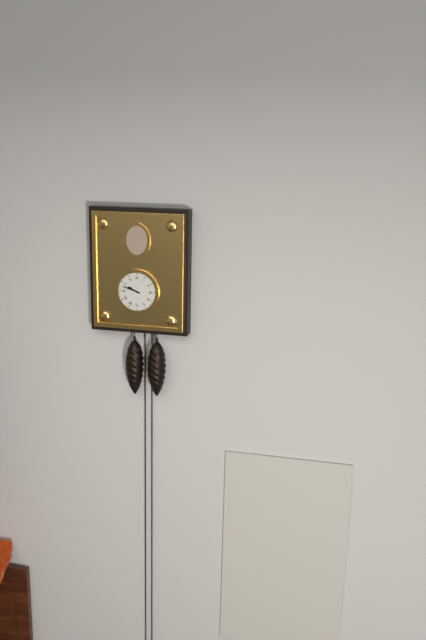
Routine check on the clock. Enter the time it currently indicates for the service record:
9:48
